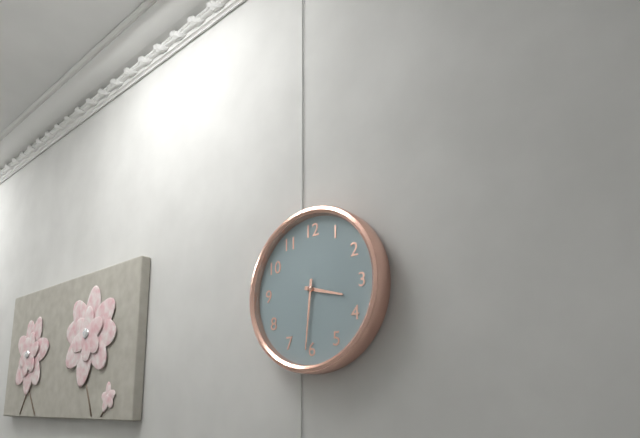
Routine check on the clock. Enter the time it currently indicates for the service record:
3:31
